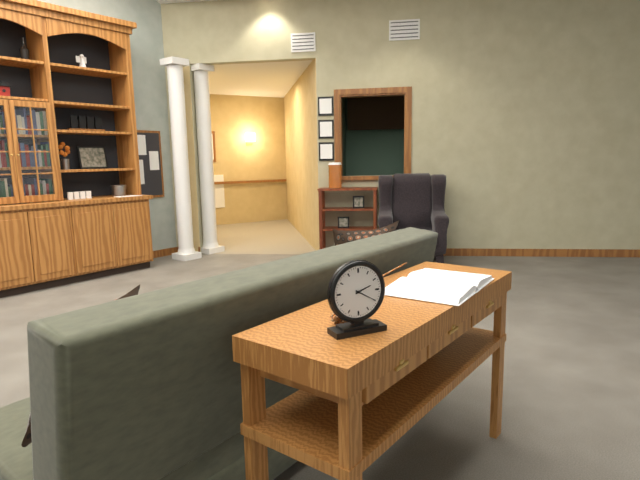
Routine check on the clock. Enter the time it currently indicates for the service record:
2:20
